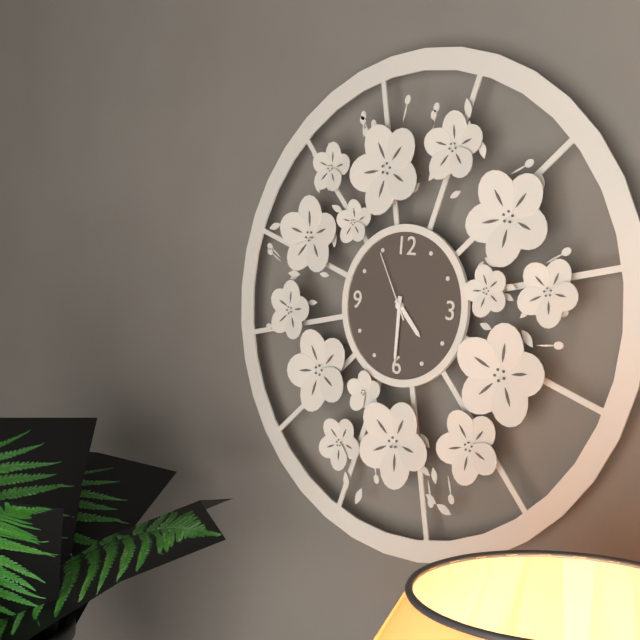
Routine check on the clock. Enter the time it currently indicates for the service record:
4:30:55
